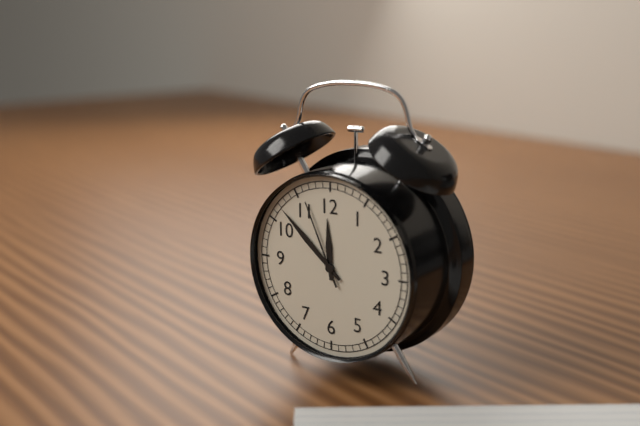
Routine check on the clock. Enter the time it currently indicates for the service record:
11:52:56
